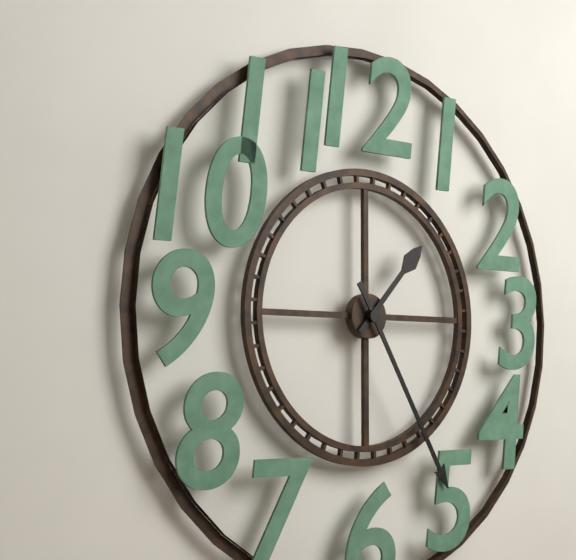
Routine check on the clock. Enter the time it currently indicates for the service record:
1:25
